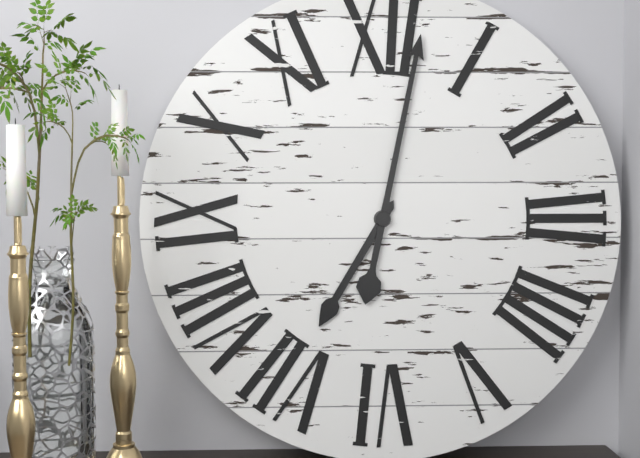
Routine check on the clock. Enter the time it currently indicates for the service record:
7:02
